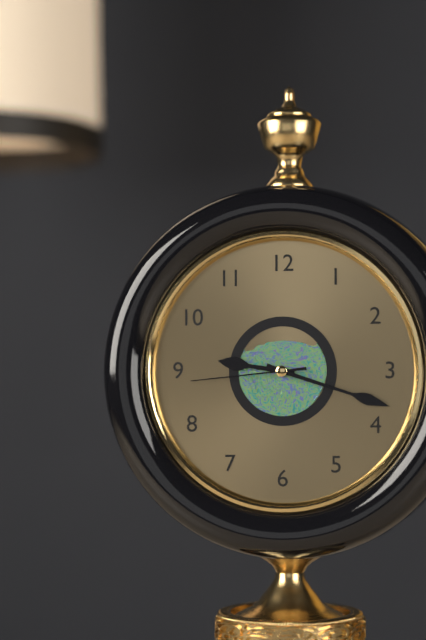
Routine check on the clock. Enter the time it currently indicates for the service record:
9:18:44
